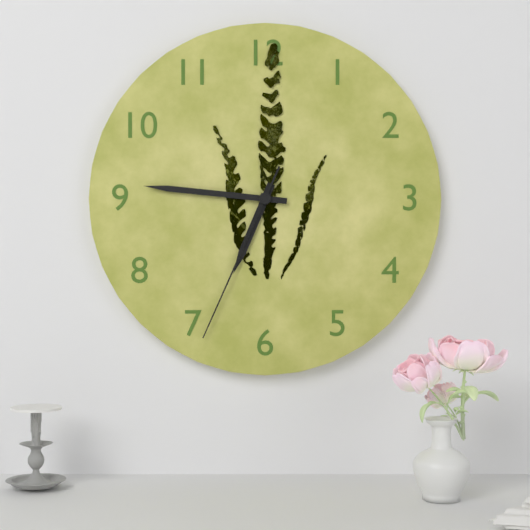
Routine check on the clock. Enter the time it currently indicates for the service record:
6:46:34
